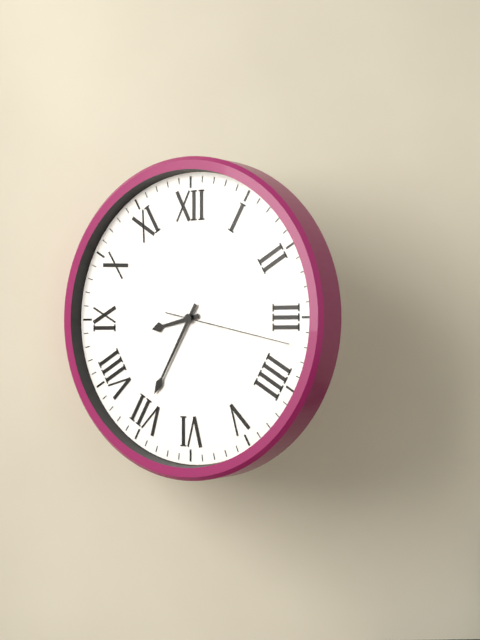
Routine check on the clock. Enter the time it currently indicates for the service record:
8:35:17
